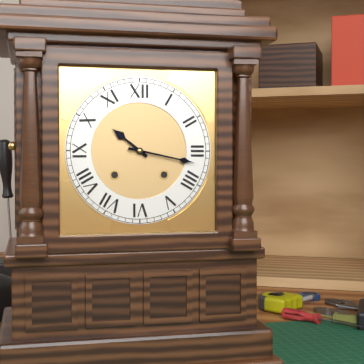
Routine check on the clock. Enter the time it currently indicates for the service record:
10:17
